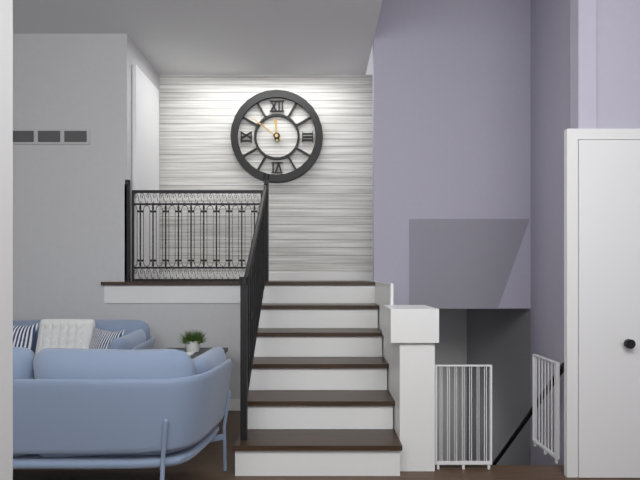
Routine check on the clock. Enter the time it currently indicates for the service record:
11:51
